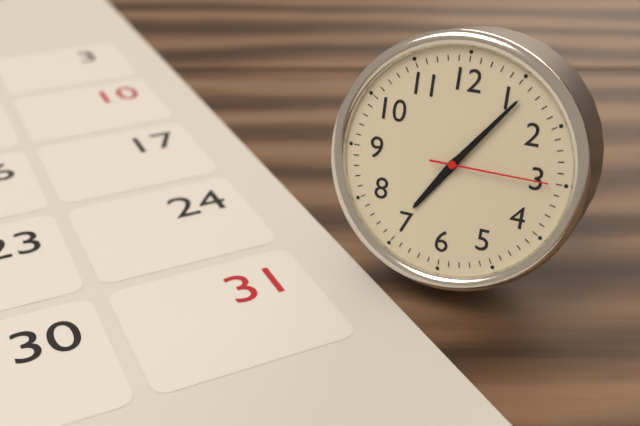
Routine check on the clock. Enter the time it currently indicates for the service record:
7:06:15
